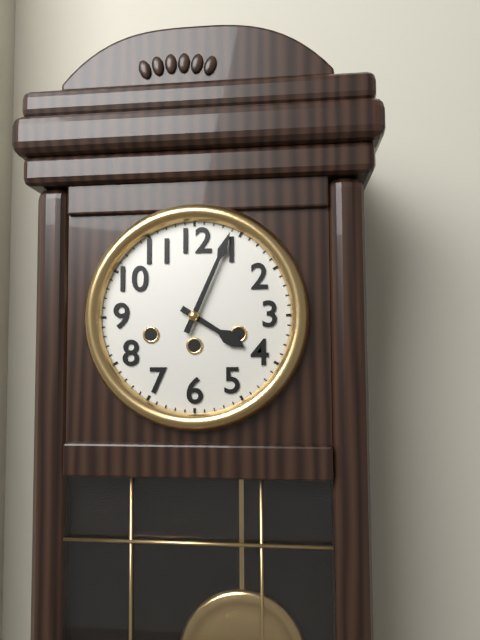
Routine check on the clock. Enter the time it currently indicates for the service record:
4:04
